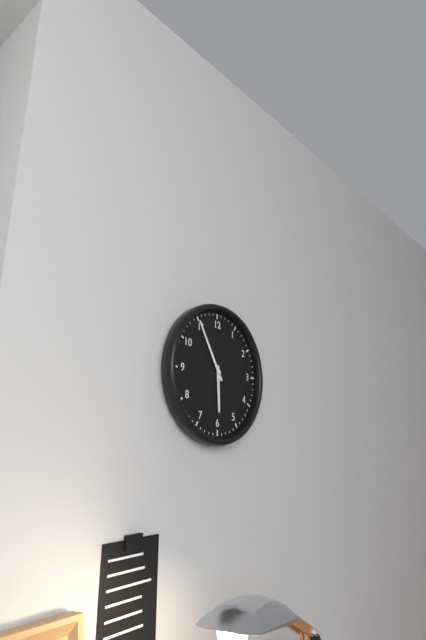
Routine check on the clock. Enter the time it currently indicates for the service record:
5:55
